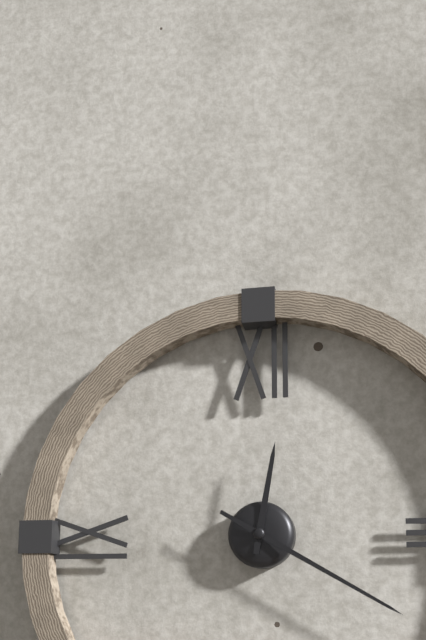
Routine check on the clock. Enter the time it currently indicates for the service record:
12:20
